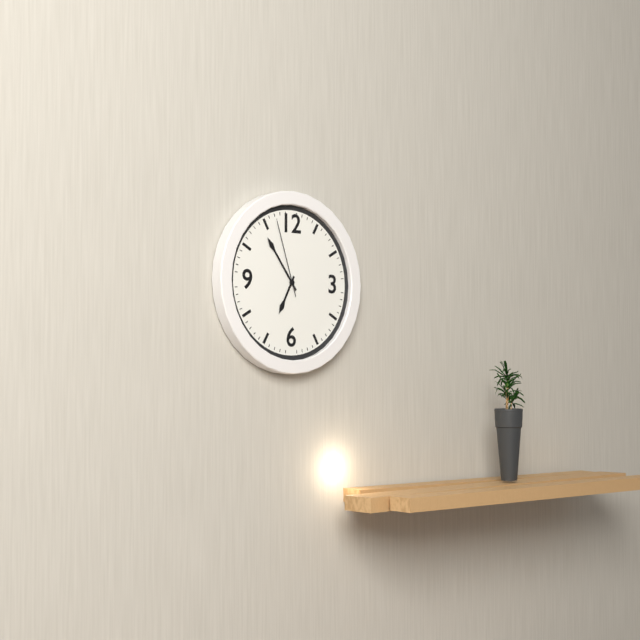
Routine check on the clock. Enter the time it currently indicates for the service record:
6:54:57
